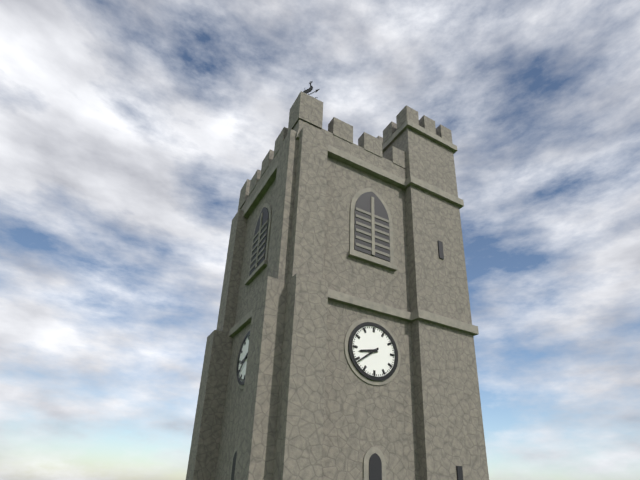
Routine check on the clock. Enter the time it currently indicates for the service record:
8:39
